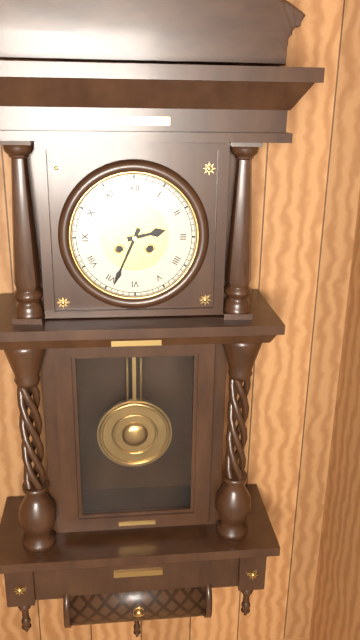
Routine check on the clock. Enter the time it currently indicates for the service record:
2:34
